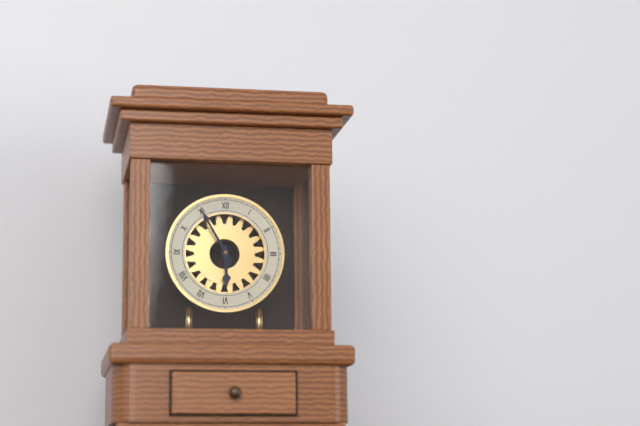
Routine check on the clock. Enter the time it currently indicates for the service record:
5:55
